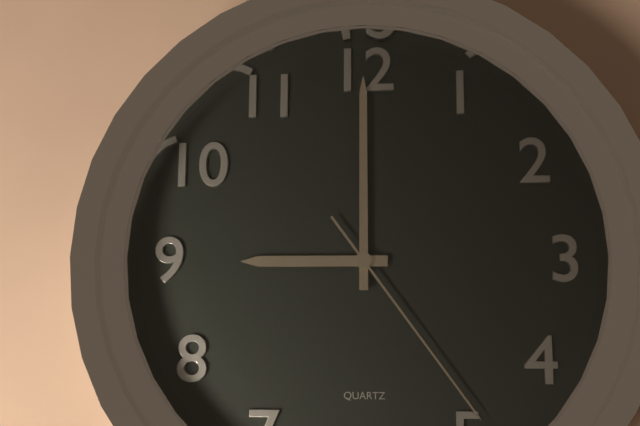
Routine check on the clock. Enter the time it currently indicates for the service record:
9:00:24
